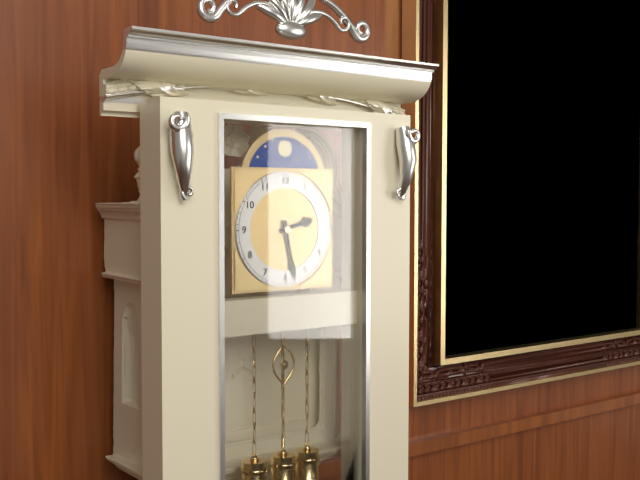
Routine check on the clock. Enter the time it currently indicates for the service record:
2:28
